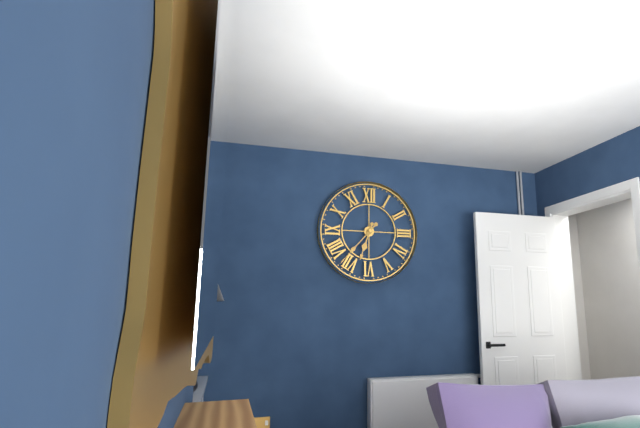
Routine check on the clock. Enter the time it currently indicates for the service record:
6:37
